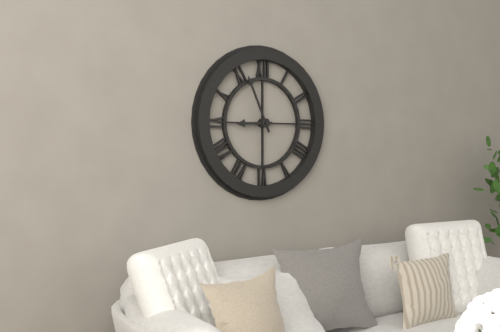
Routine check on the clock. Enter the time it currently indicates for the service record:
8:56
